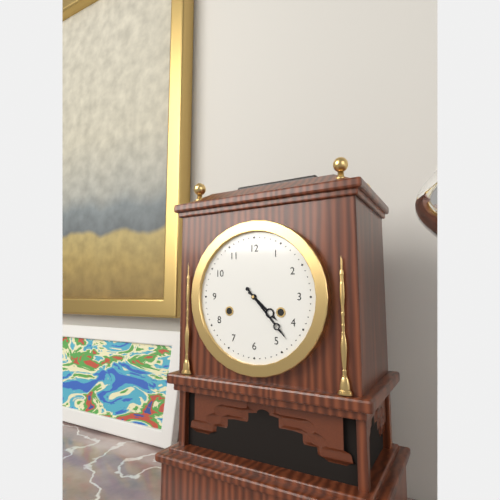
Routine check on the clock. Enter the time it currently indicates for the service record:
4:23
